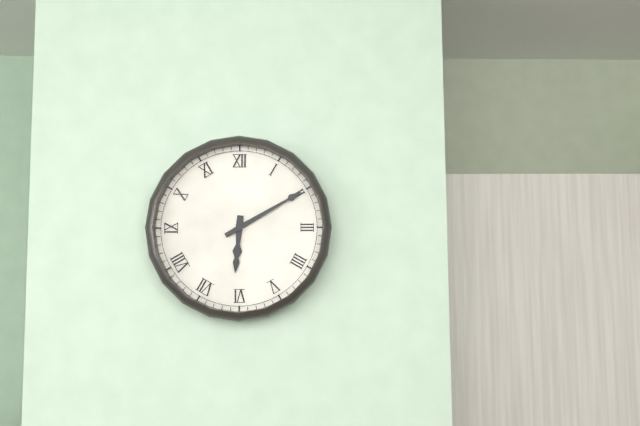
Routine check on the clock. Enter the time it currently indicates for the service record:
6:10
